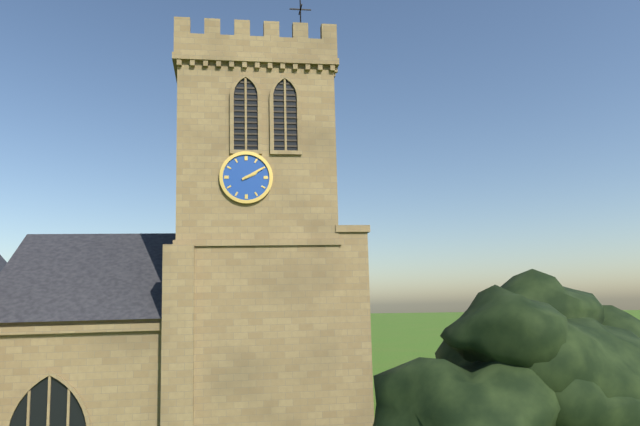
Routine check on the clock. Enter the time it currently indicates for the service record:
2:10
